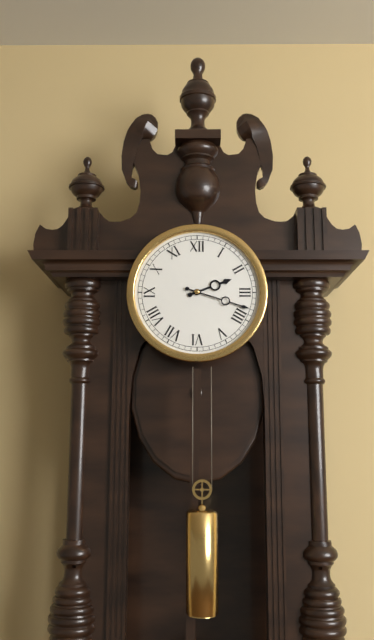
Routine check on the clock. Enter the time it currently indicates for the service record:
2:18
